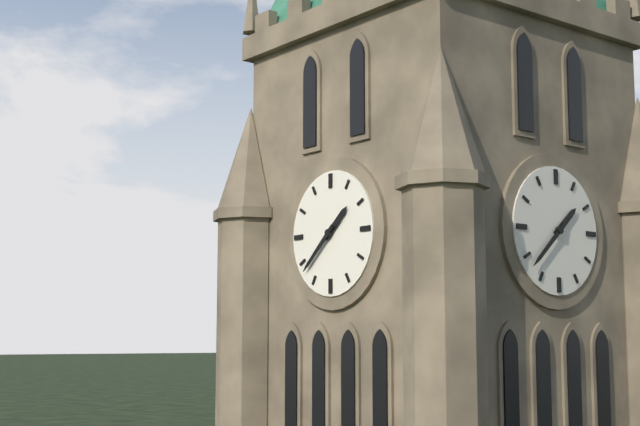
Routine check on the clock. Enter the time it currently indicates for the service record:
1:38
